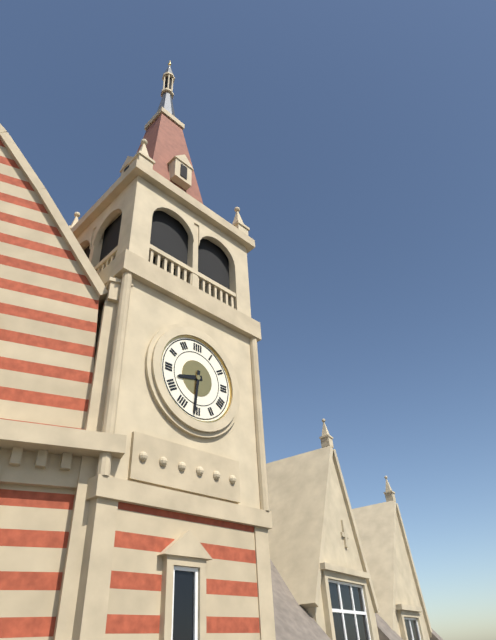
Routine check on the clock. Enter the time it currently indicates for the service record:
8:31
